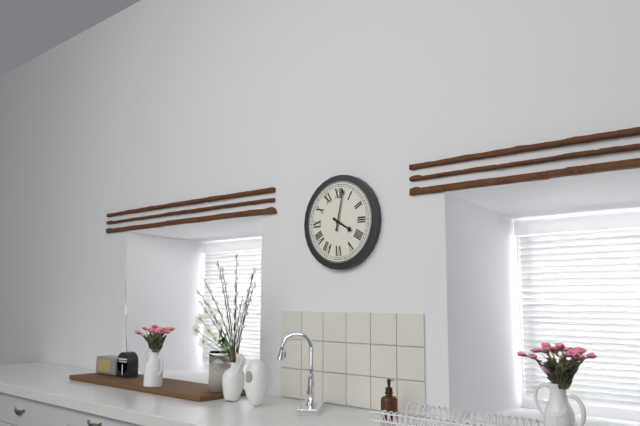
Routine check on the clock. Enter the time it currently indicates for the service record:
4:02
